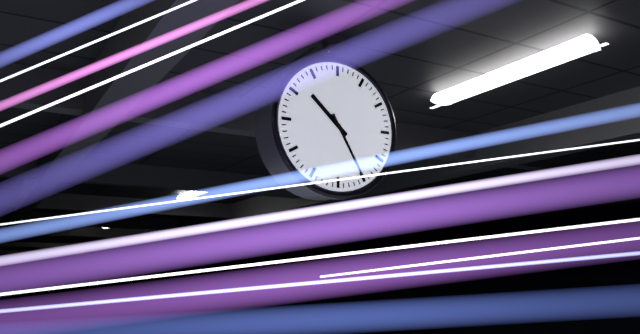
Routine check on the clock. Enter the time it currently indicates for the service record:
10:25
